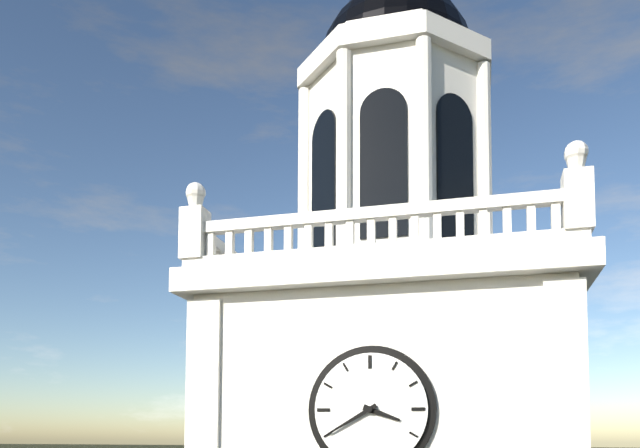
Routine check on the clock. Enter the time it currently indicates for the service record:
3:40
